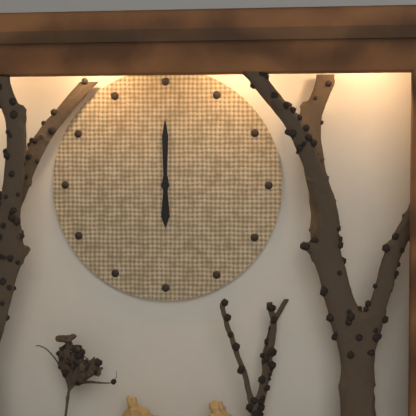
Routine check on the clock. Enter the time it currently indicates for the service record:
6:00
